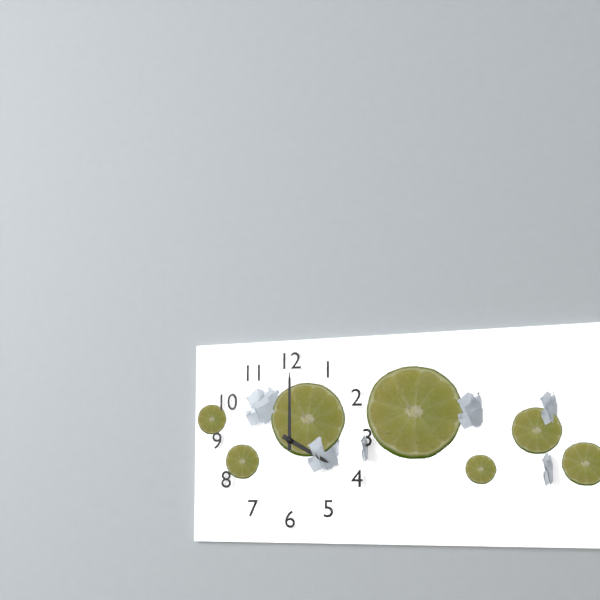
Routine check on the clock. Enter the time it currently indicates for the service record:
4:00
